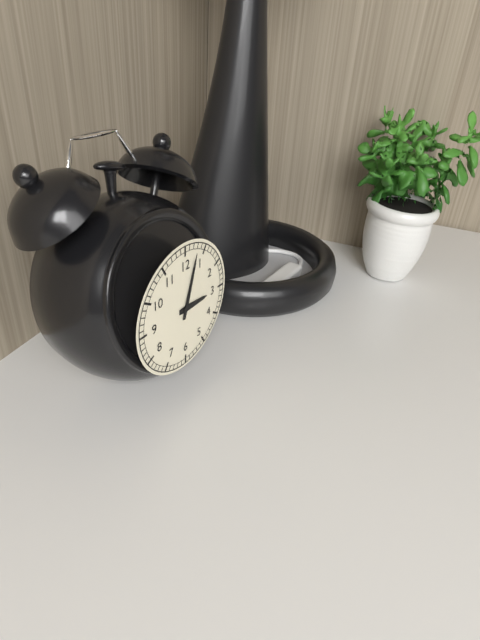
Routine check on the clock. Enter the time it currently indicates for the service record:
3:03
